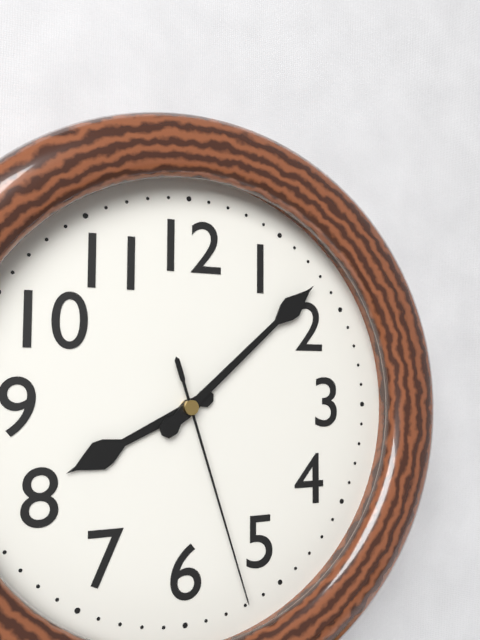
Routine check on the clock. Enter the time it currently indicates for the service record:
8:08:27
